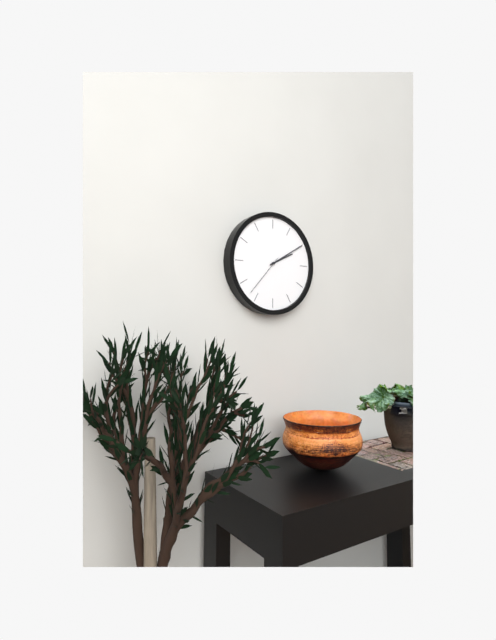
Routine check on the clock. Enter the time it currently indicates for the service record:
2:10
